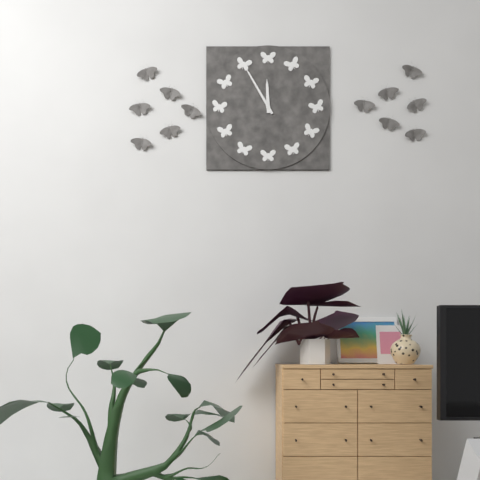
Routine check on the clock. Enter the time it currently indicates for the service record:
11:55
